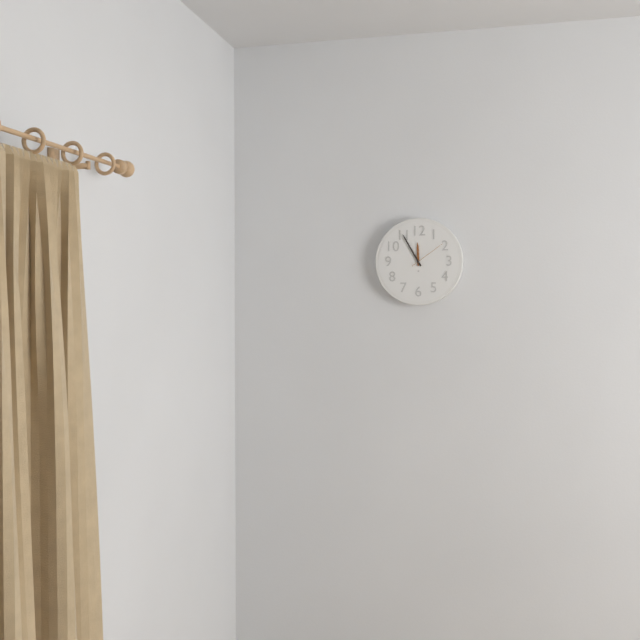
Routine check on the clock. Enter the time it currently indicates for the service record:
11:55
